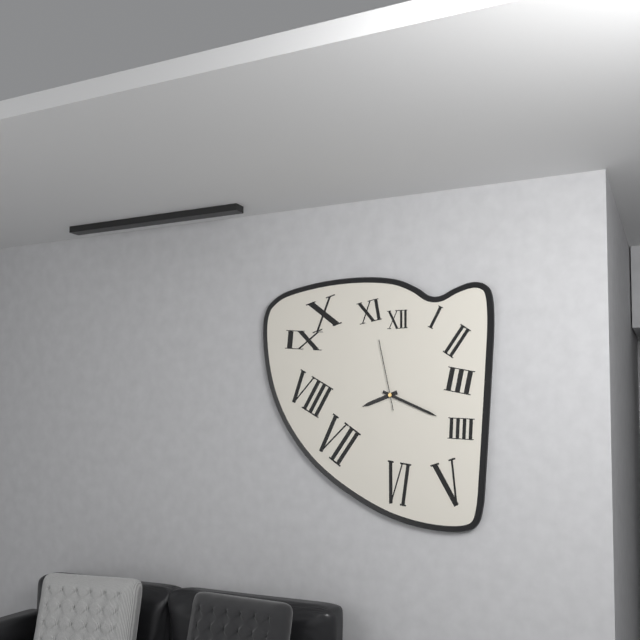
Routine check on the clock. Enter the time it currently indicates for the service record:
8:19:58
